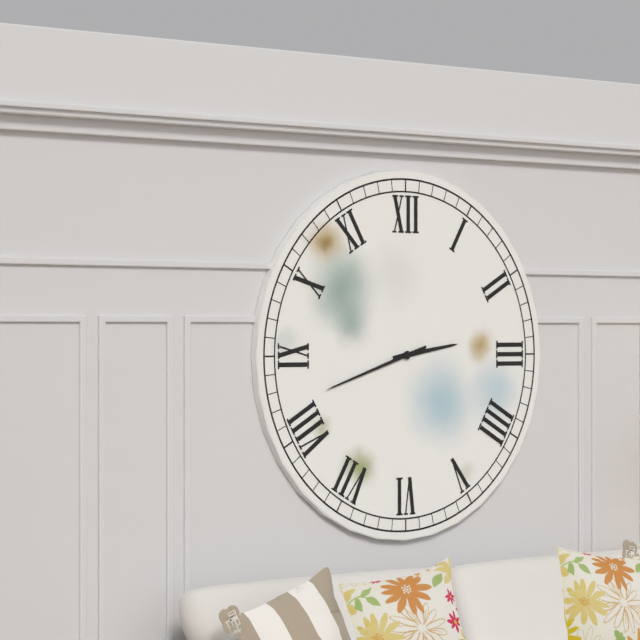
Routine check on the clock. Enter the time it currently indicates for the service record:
2:42
